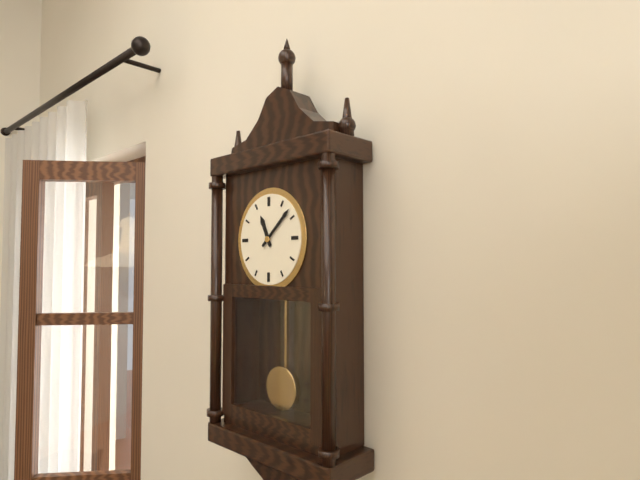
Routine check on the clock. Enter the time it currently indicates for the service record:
11:08
